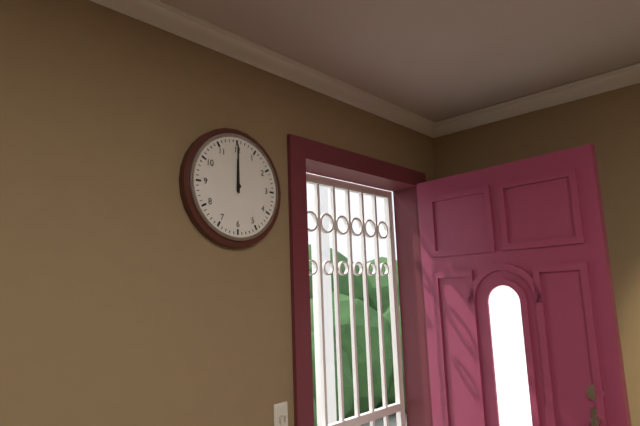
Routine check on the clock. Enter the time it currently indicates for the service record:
12:00
